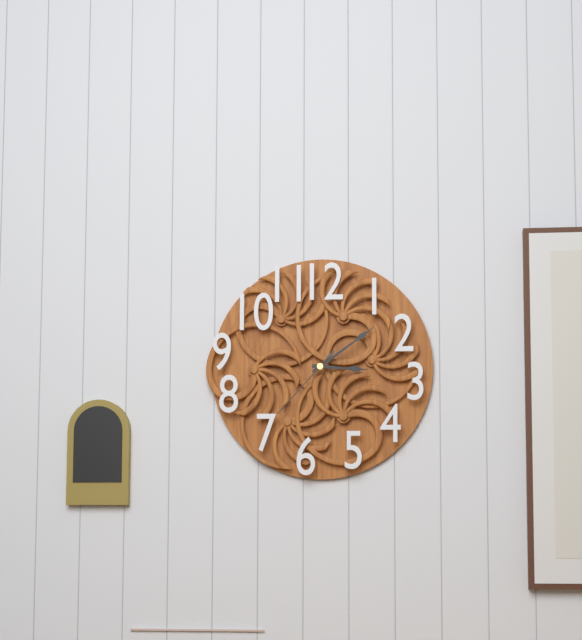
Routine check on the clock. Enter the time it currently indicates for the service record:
3:09:37
